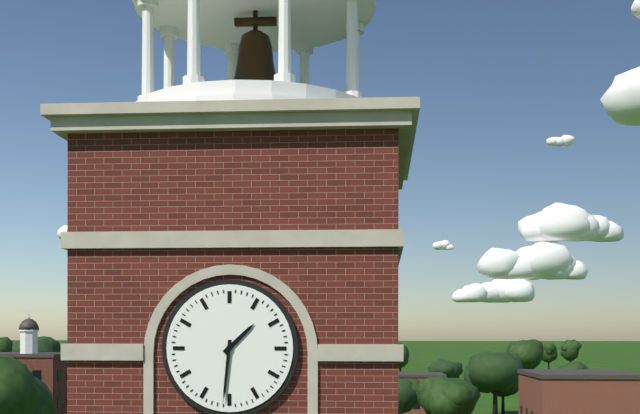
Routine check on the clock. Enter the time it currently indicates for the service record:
1:31
